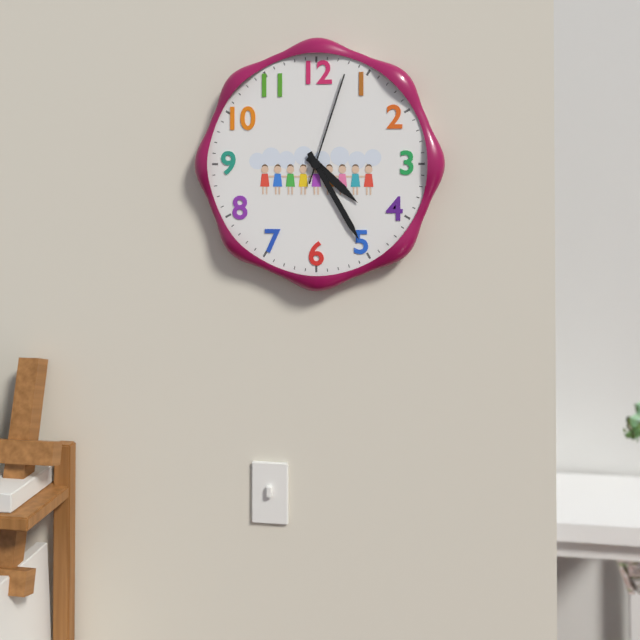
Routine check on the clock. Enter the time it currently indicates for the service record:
4:25:03
